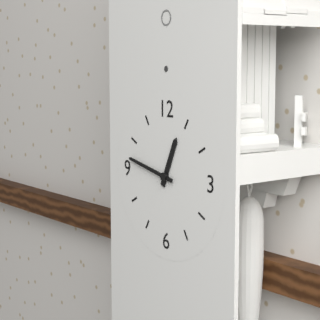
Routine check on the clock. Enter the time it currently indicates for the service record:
12:47
